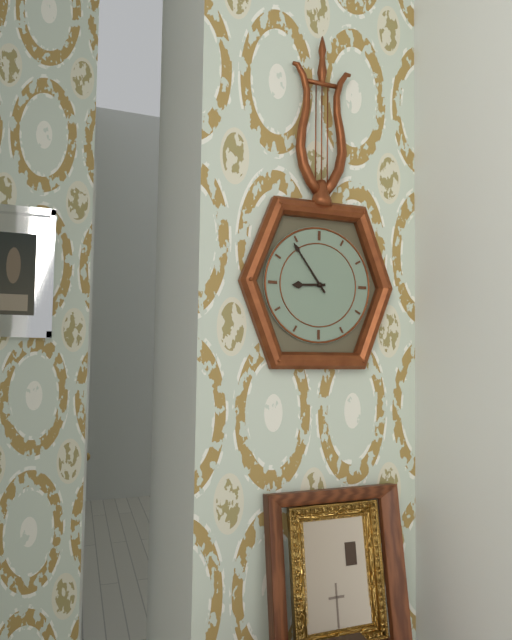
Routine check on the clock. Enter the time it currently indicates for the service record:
8:54
